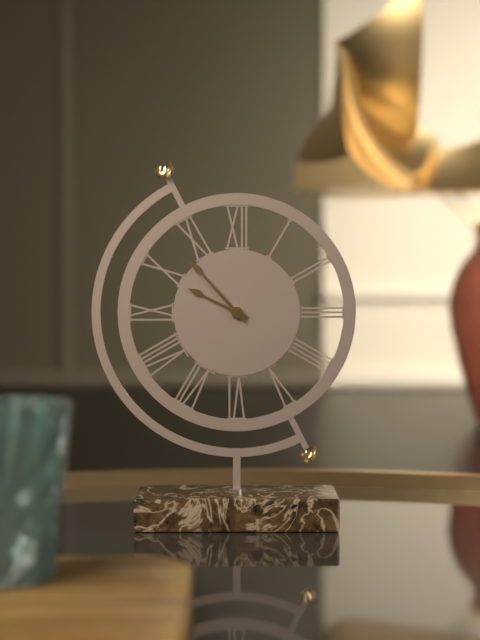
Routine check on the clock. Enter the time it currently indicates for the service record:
9:53
